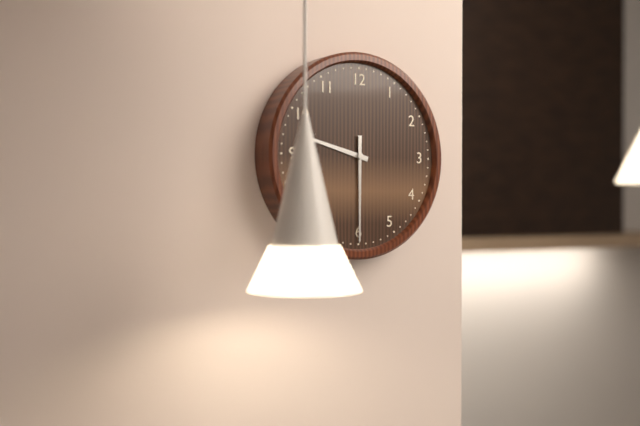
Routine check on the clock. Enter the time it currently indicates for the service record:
9:30
